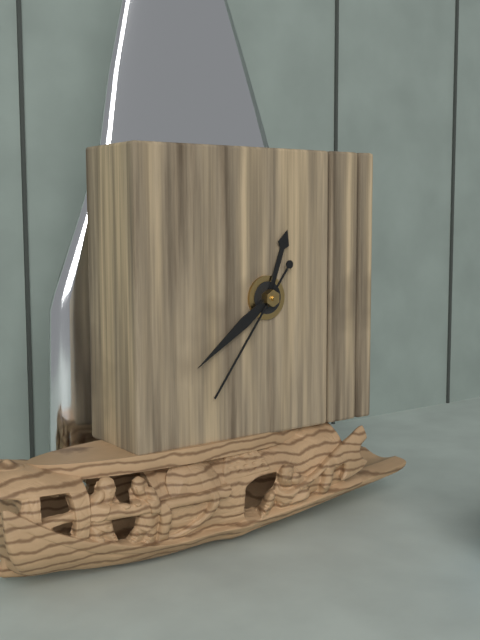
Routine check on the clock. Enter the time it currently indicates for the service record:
12:39:36
